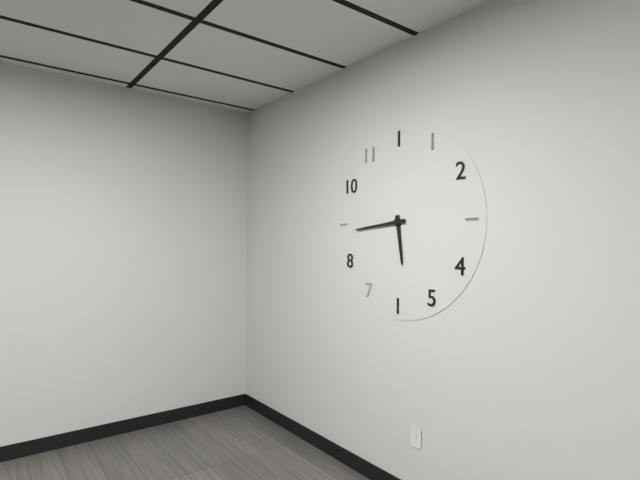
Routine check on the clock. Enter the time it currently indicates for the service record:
5:44
